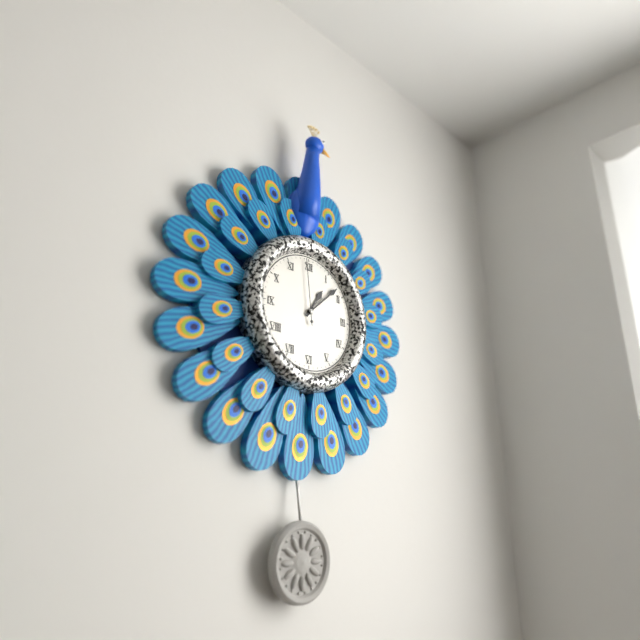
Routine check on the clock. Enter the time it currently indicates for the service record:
1:08:59
